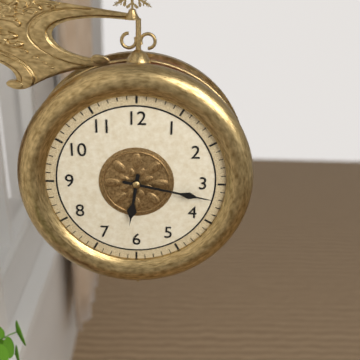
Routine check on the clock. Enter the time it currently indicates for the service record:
6:17
